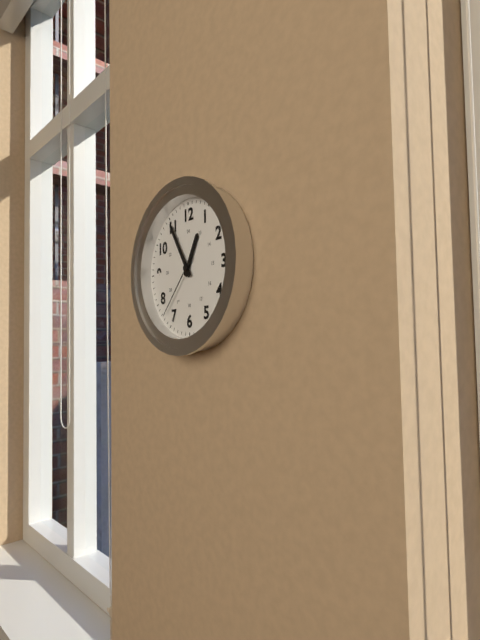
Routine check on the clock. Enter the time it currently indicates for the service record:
12:55:37
